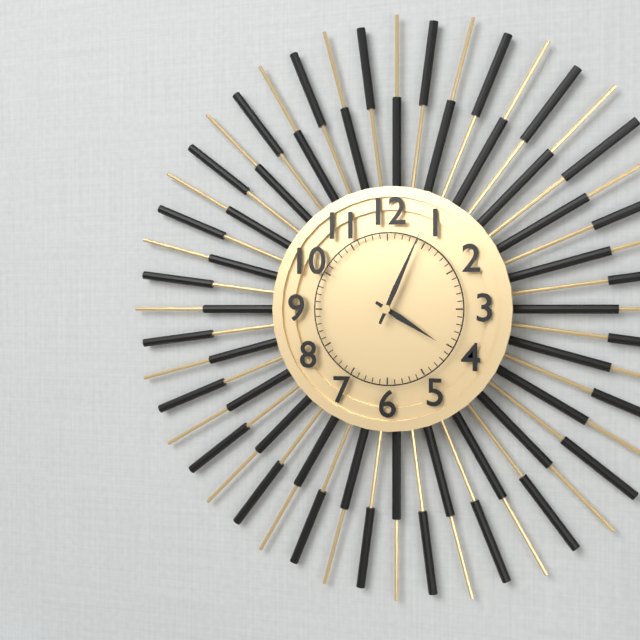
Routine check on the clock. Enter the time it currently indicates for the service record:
4:04
